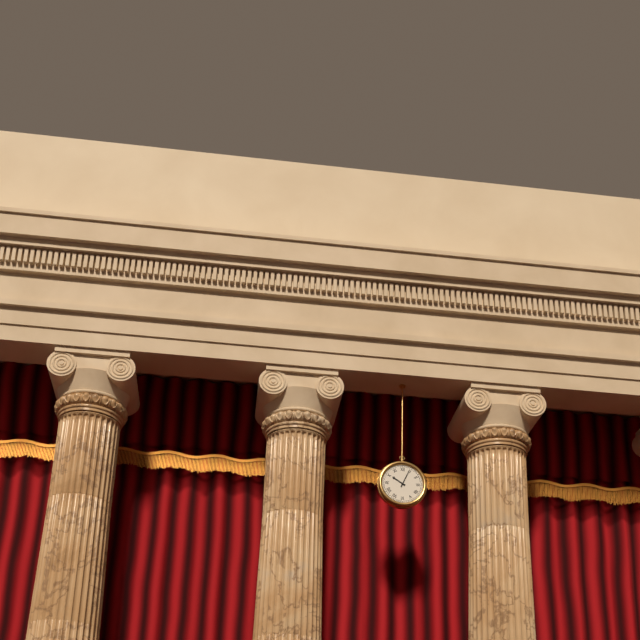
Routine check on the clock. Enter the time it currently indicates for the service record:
10:04
